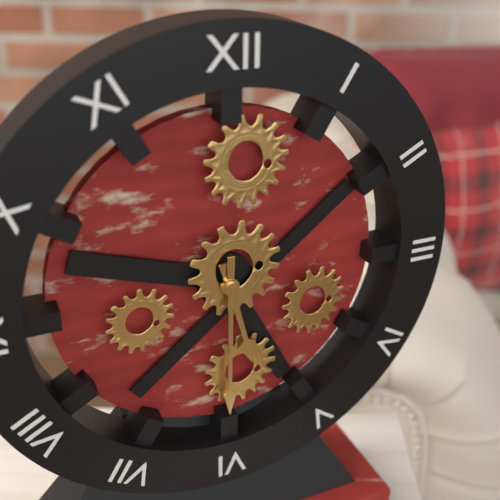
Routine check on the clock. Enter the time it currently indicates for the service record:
5:30
